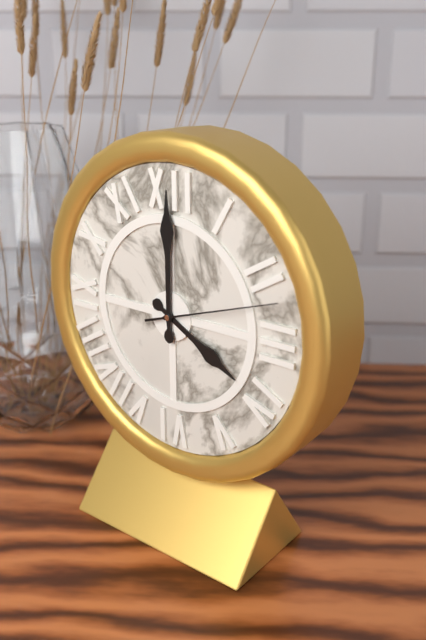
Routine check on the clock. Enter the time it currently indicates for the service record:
4:00:12
